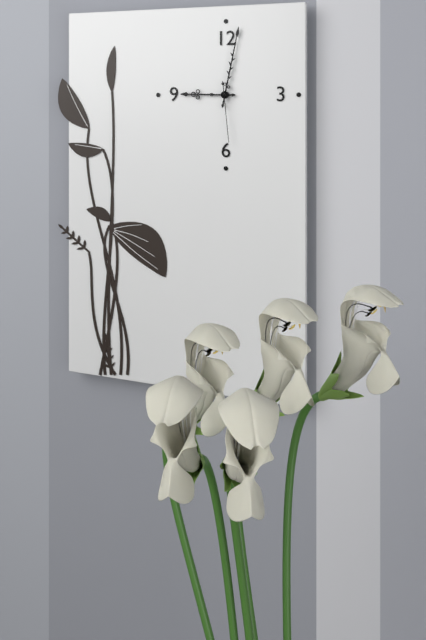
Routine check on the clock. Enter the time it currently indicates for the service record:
9:02:29
